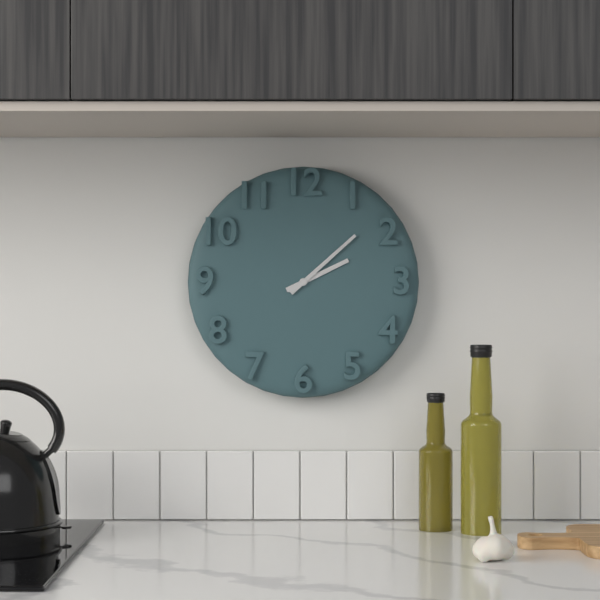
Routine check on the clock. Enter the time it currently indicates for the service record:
2:08
